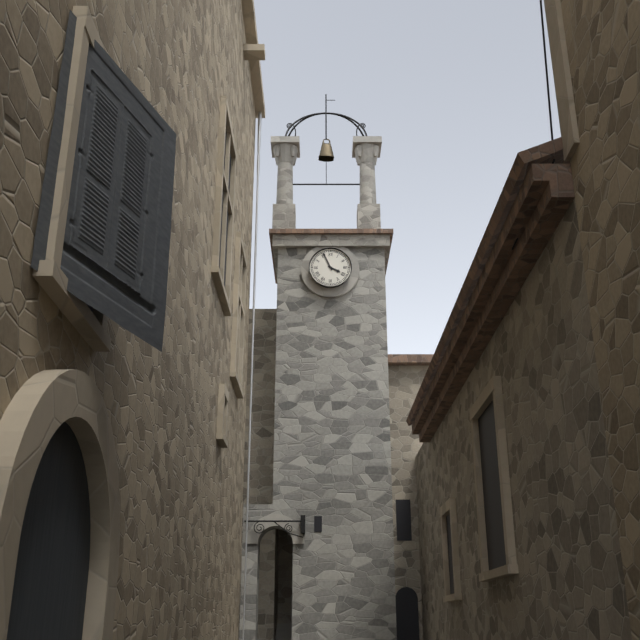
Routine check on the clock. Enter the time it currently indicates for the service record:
3:56
